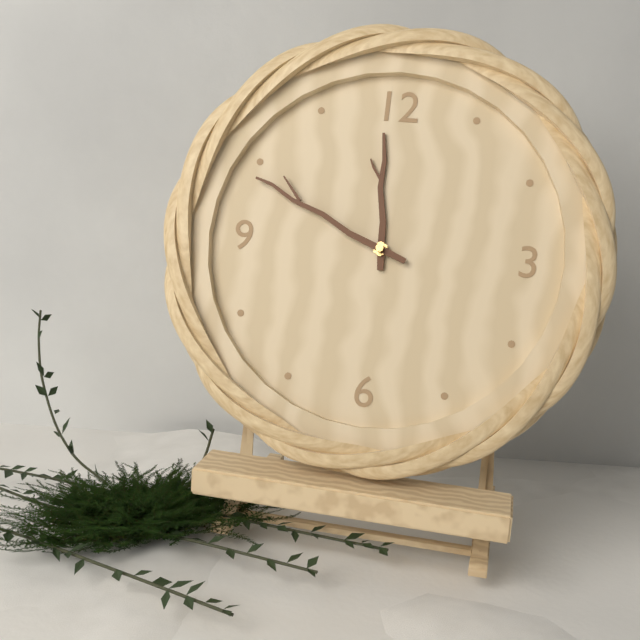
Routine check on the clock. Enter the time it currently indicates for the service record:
11:49
